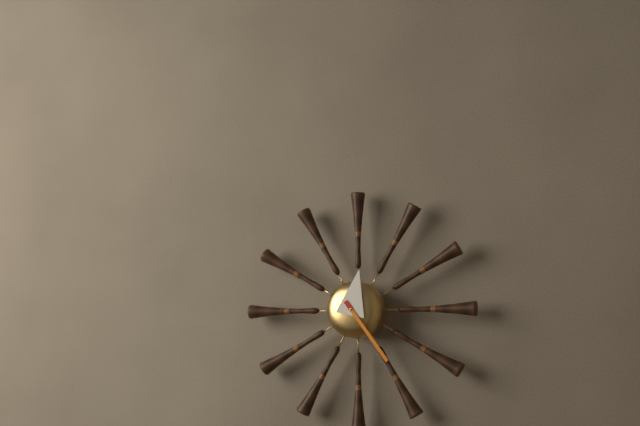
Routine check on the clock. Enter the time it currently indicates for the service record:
12:24
